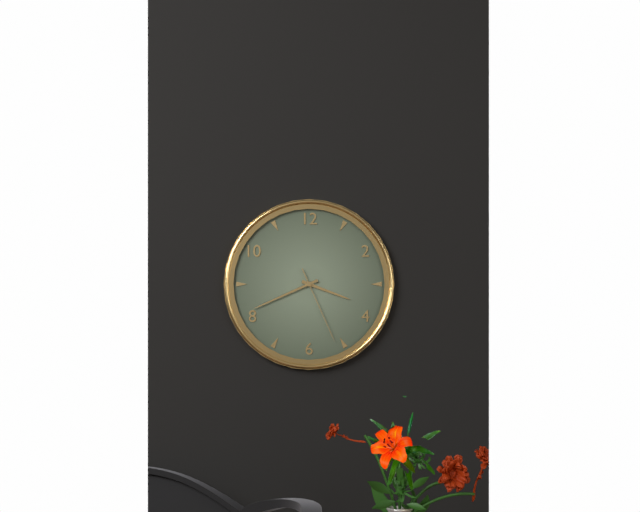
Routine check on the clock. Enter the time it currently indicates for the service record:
3:41:26
